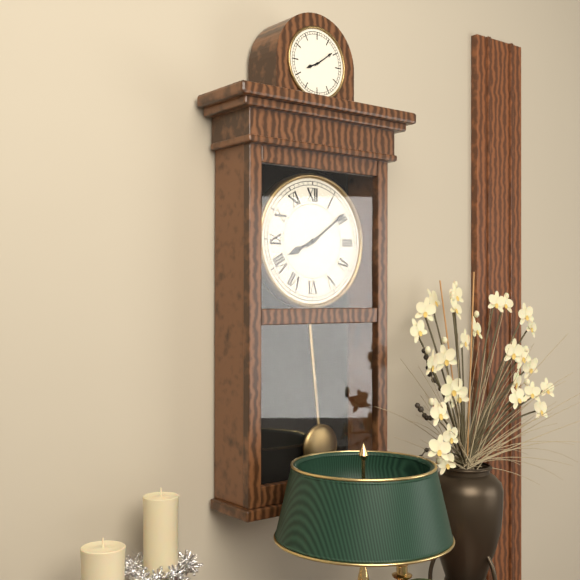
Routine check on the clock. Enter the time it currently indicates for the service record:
8:09
